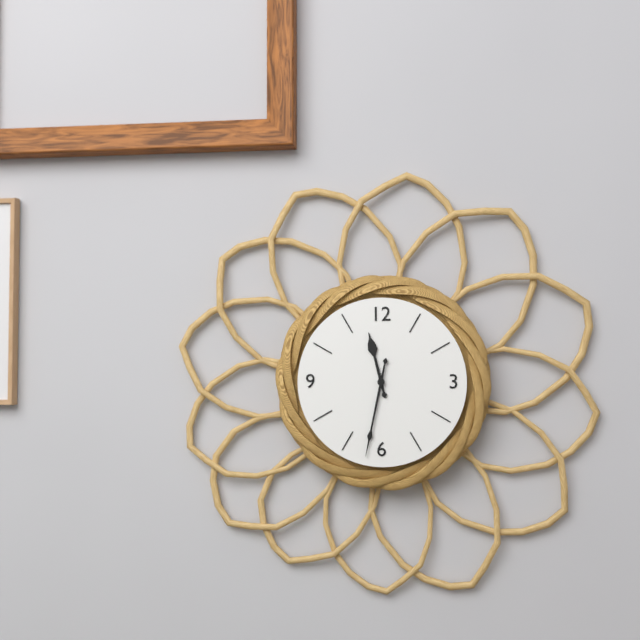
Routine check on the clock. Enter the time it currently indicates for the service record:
11:32
